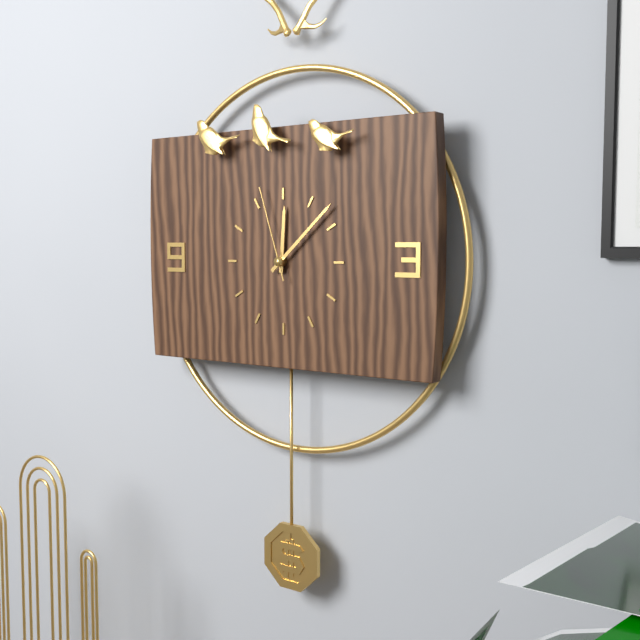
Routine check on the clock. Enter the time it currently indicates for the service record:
12:08:57
